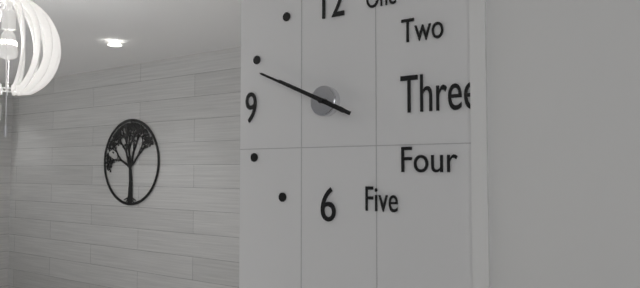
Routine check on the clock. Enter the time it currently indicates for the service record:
9:49
